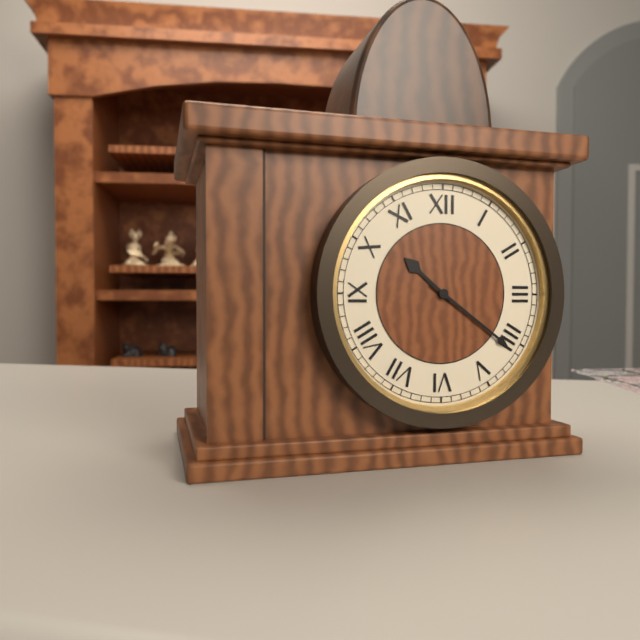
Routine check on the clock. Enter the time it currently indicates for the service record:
10:21
